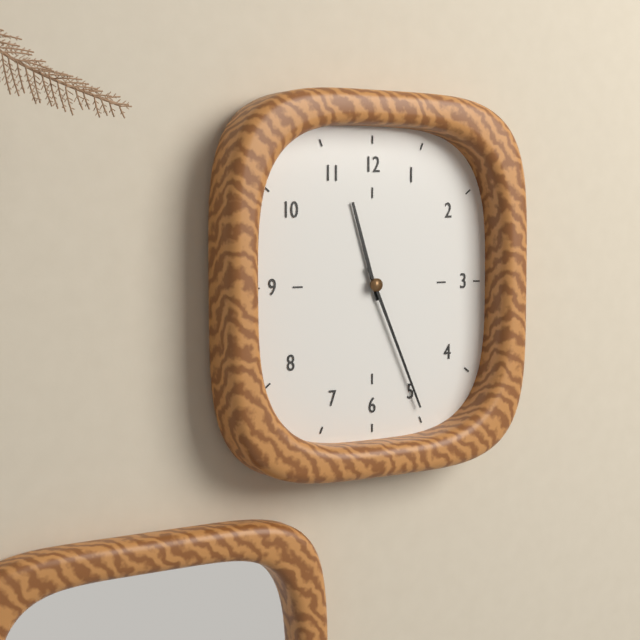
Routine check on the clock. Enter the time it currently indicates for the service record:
11:26
